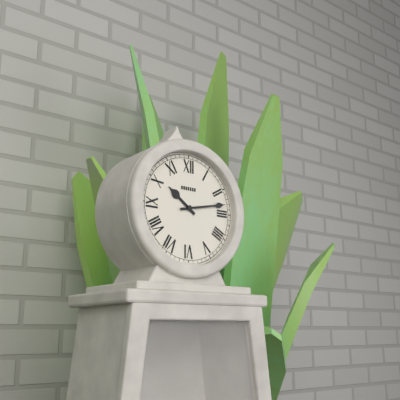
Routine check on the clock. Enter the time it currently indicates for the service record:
10:13
